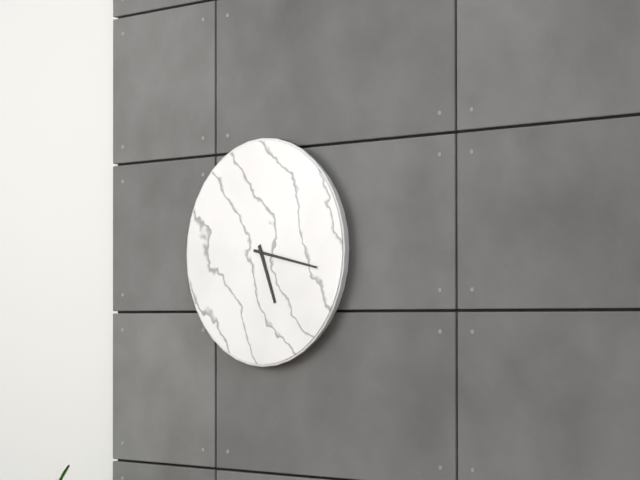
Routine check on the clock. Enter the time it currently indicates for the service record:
5:17
